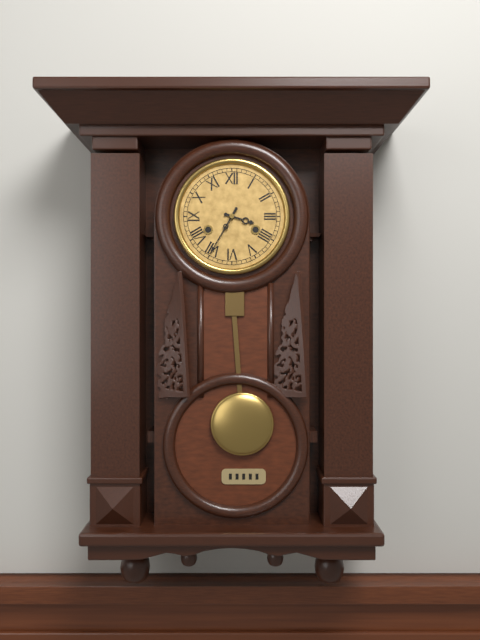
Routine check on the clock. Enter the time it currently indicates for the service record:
3:35
